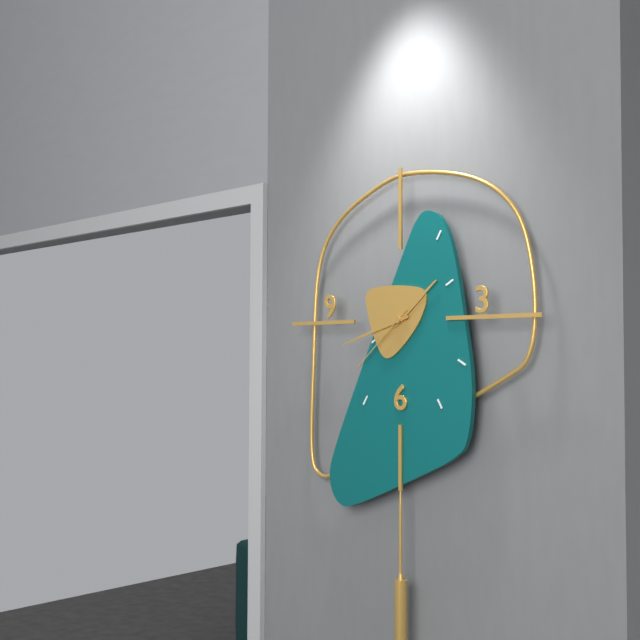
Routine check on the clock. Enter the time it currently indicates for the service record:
1:42:38
